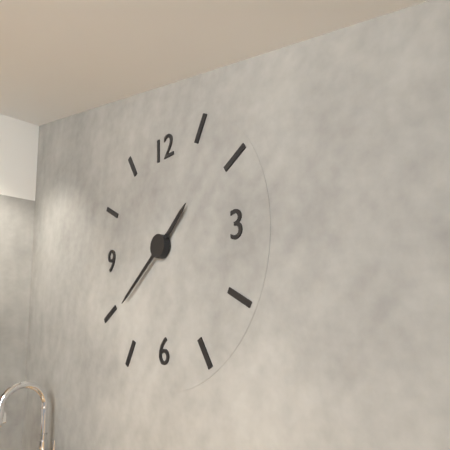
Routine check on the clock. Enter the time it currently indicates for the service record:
1:39
